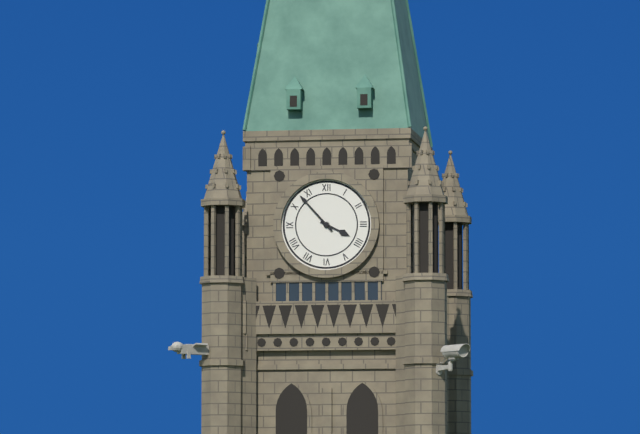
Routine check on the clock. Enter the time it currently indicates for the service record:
3:53
